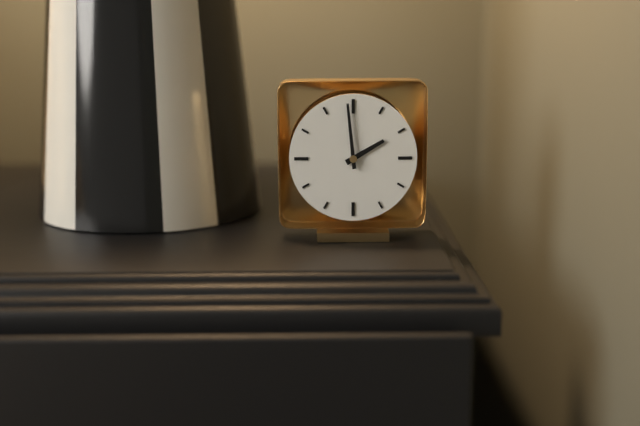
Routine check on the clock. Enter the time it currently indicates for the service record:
1:59
